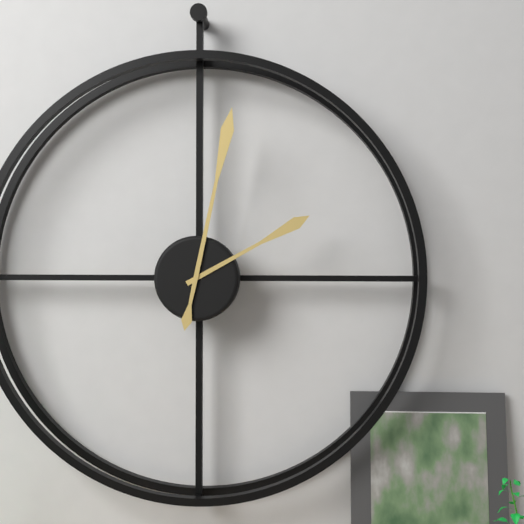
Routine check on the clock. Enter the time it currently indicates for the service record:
2:02
